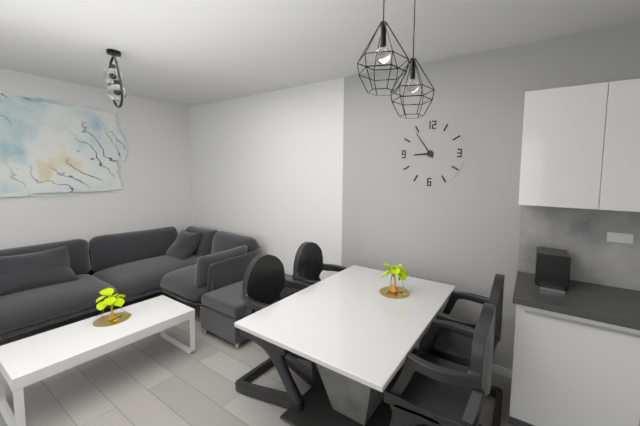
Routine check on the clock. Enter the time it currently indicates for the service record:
8:54
